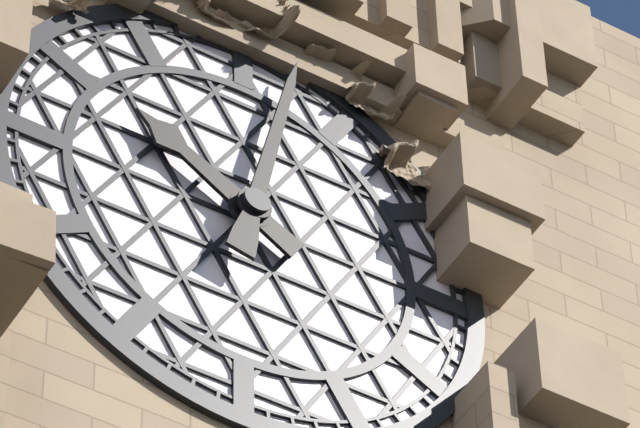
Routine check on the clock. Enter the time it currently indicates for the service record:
10:02
